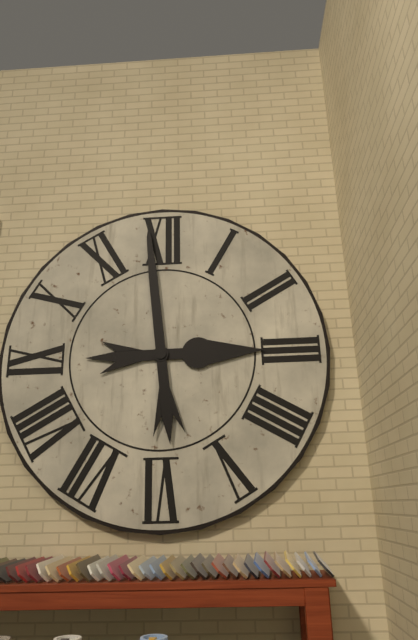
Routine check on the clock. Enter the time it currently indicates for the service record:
2:59
